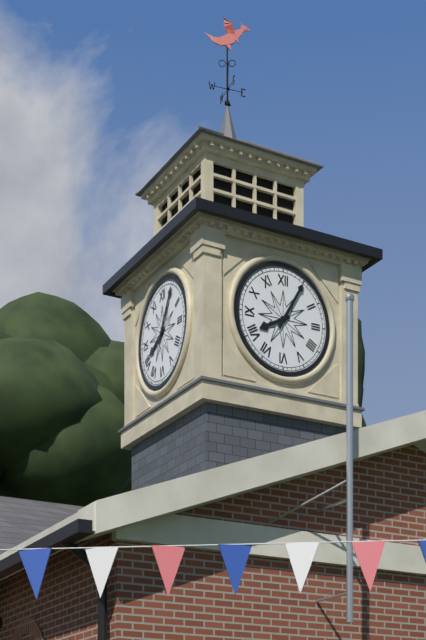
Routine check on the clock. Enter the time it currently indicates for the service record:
8:05
